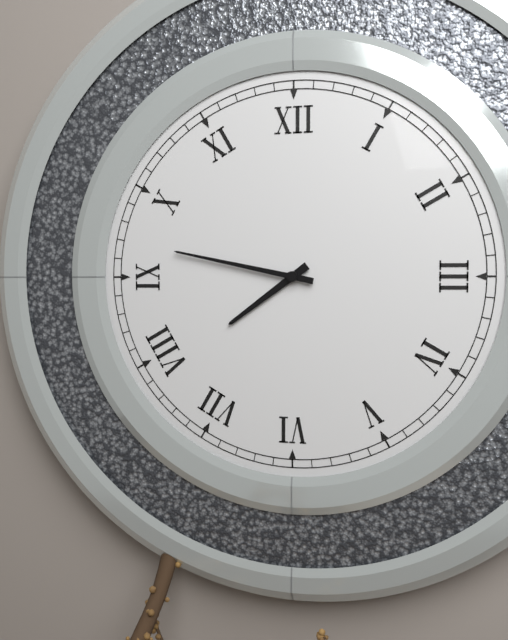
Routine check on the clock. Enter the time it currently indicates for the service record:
7:47
